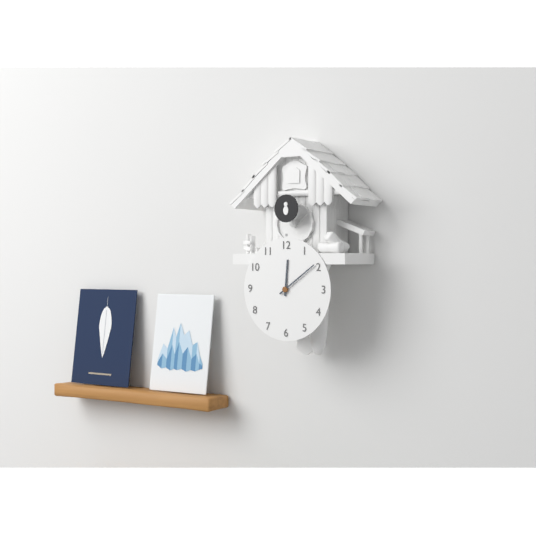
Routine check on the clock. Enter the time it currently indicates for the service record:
12:09
